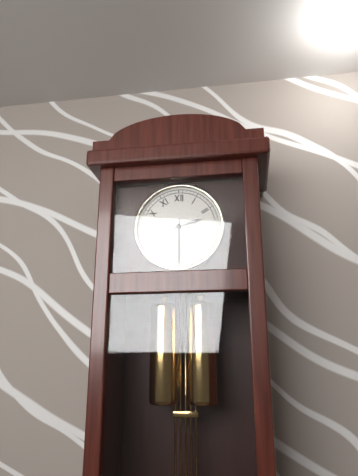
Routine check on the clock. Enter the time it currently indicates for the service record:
2:30
